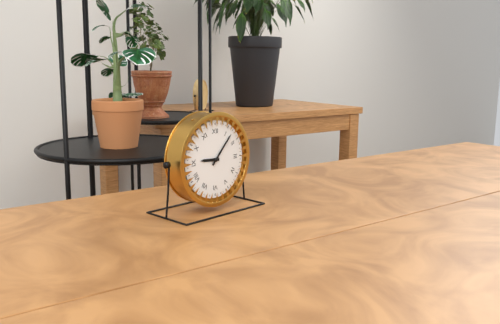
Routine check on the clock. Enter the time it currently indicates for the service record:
9:07
